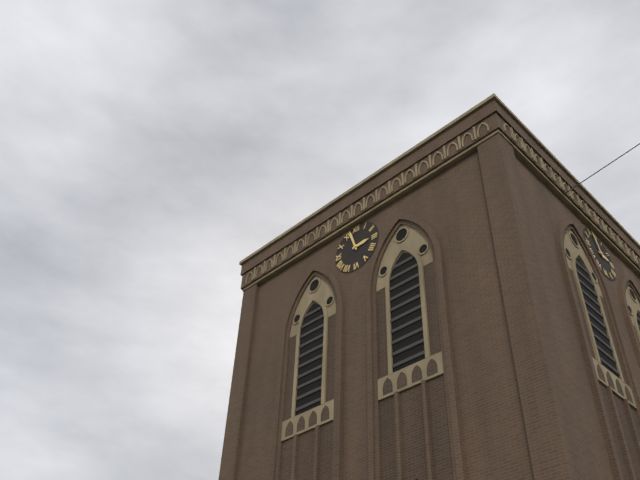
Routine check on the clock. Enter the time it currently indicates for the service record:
2:57
